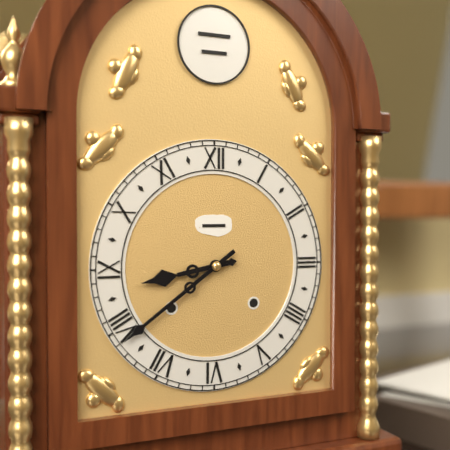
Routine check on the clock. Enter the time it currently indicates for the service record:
8:39
